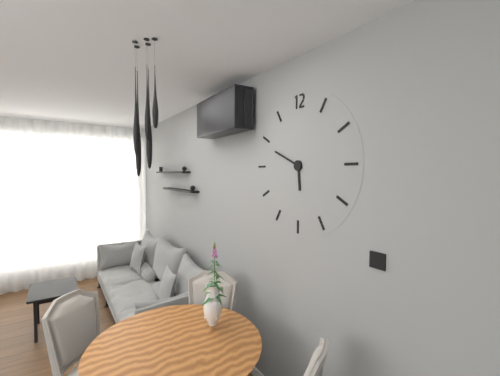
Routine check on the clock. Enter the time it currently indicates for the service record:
5:49
